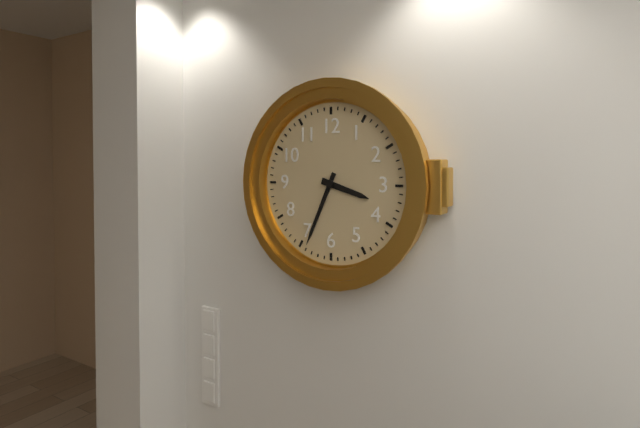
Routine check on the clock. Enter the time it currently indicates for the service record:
3:34
